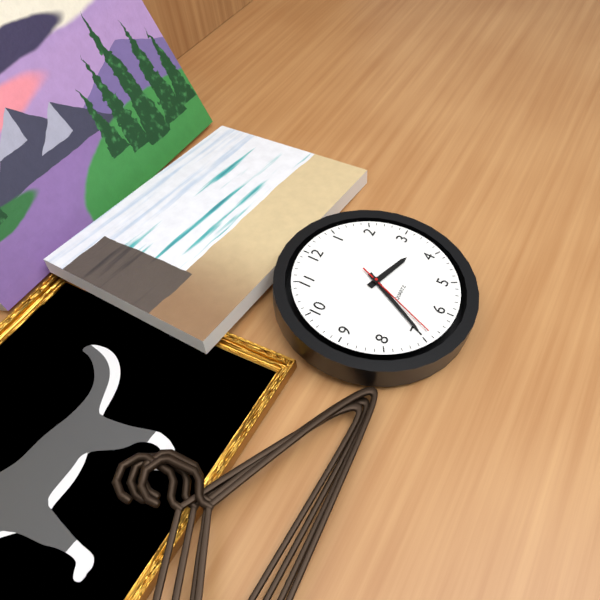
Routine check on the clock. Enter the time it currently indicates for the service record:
3:35:34
